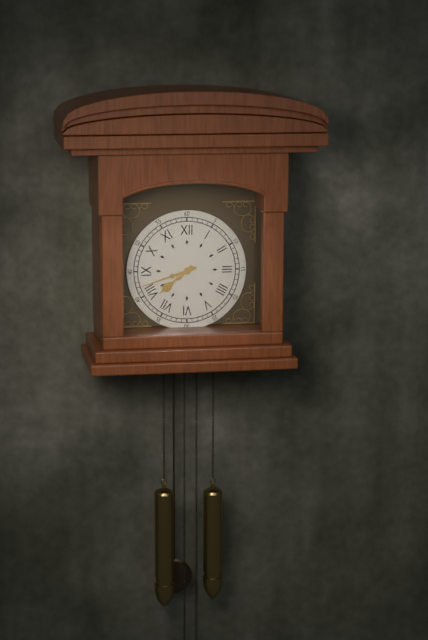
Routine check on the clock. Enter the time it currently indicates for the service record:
7:42
